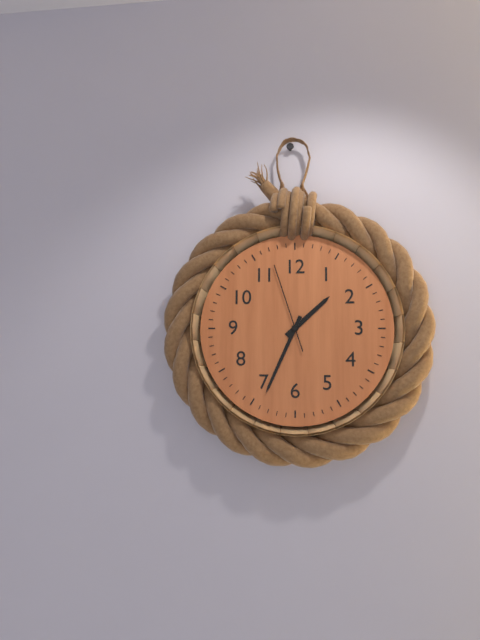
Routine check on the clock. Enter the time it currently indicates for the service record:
1:34:57
